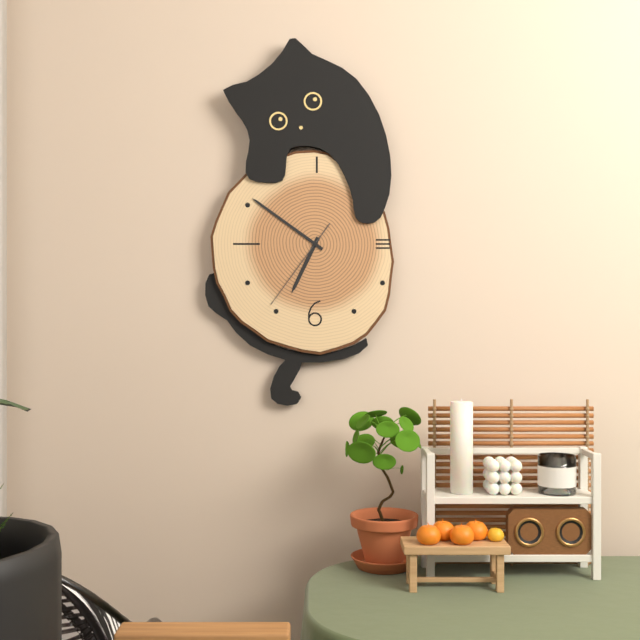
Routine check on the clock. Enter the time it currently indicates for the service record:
6:51:36
